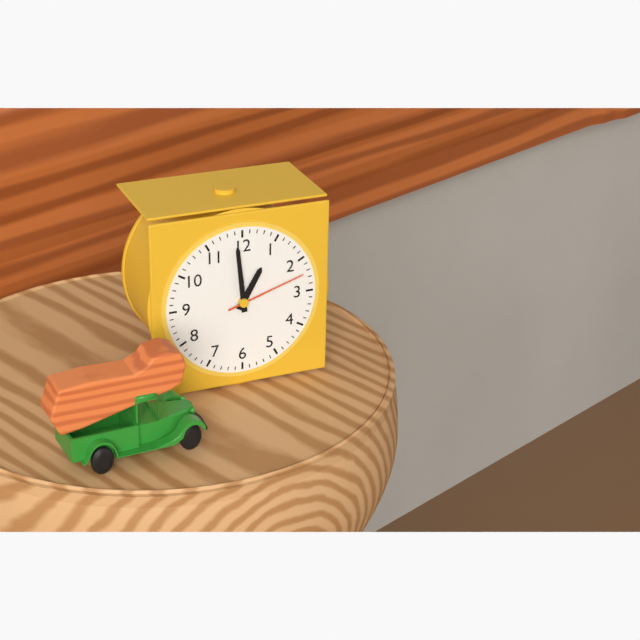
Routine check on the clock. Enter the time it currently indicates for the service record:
12:59:12
